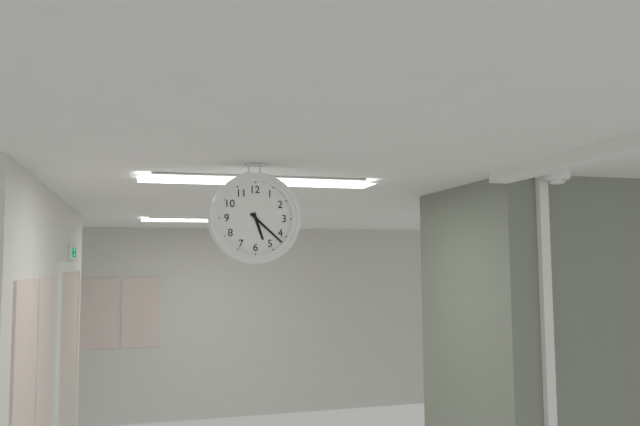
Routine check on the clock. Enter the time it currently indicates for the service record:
5:22
